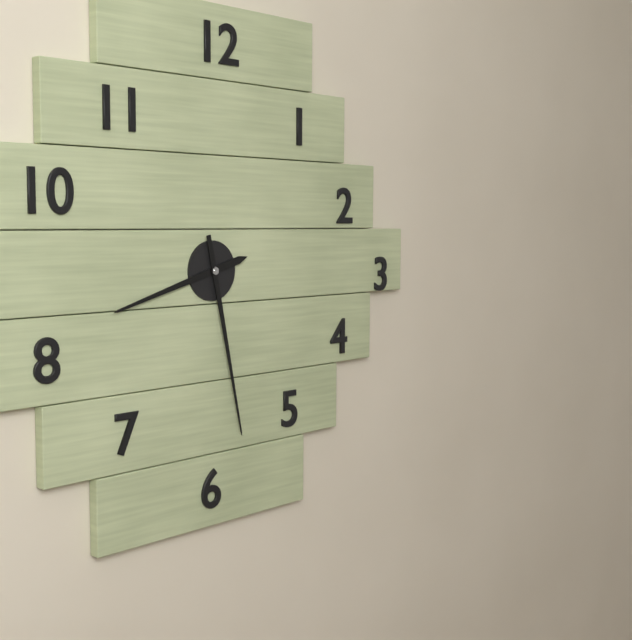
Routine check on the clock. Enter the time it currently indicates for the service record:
8:28
